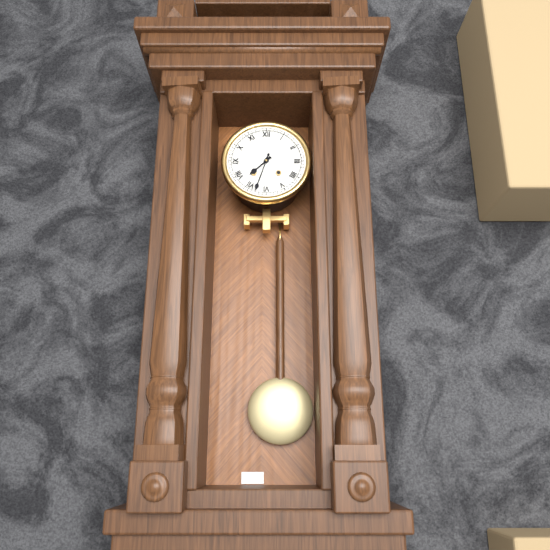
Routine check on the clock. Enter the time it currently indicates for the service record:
7:33
